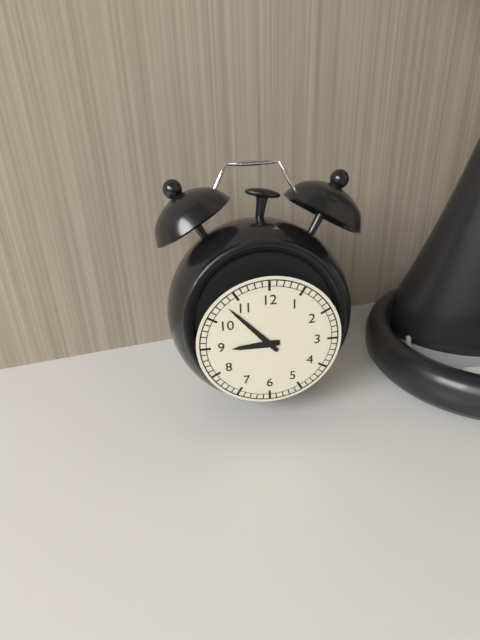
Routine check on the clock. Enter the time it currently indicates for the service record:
8:53
